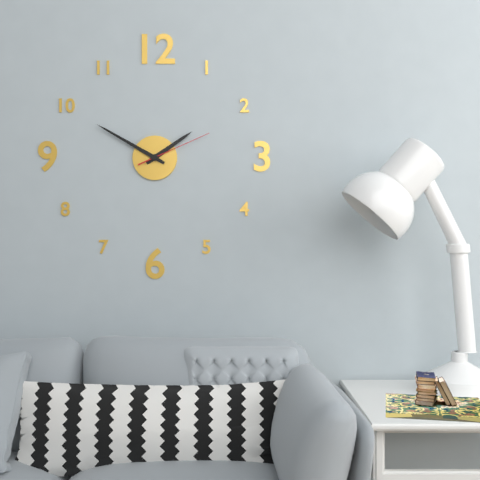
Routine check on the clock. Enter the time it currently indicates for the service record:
1:50:11
